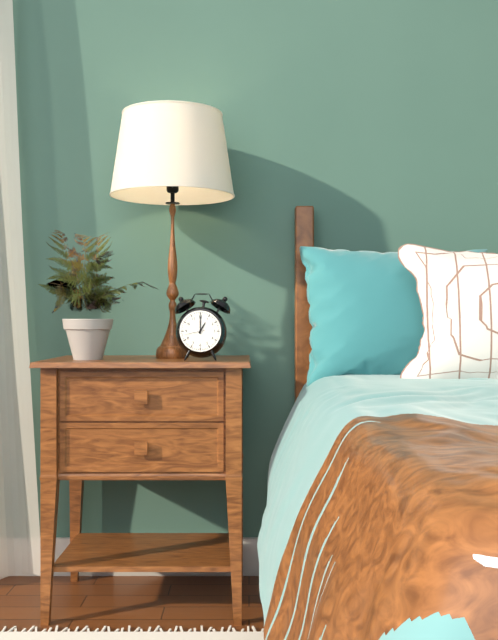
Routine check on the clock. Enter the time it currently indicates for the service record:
1:00
